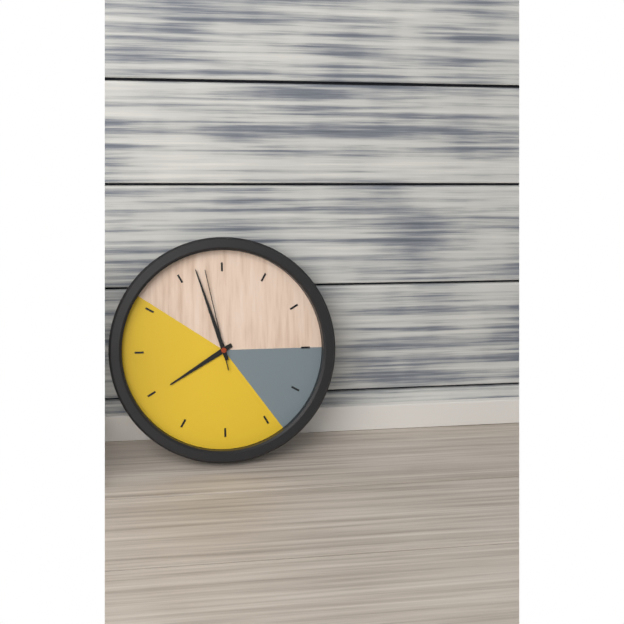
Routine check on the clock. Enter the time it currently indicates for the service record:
7:57:58
